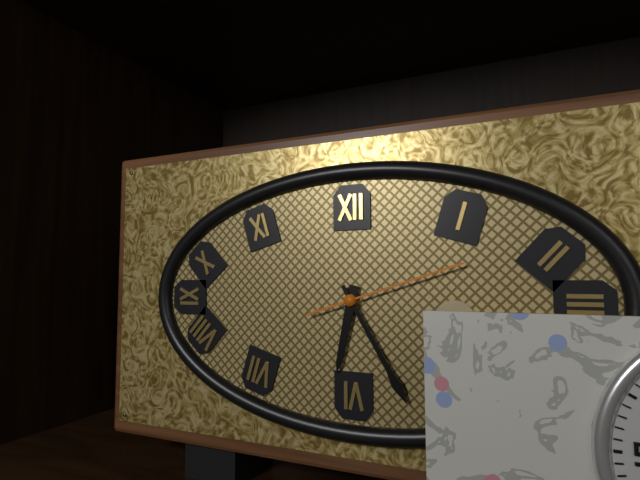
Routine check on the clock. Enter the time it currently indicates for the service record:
6:25:12
